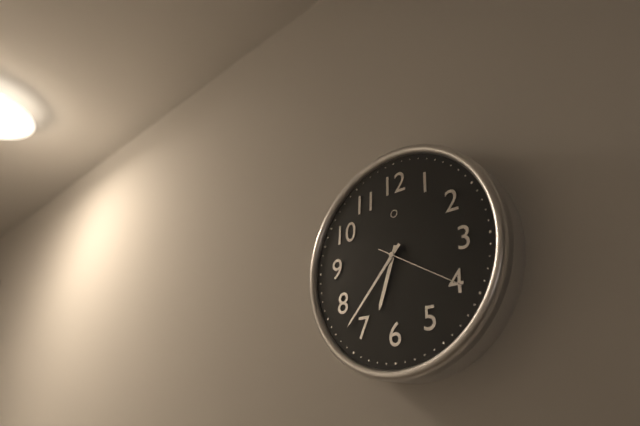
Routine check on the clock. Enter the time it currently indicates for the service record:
6:37:20
